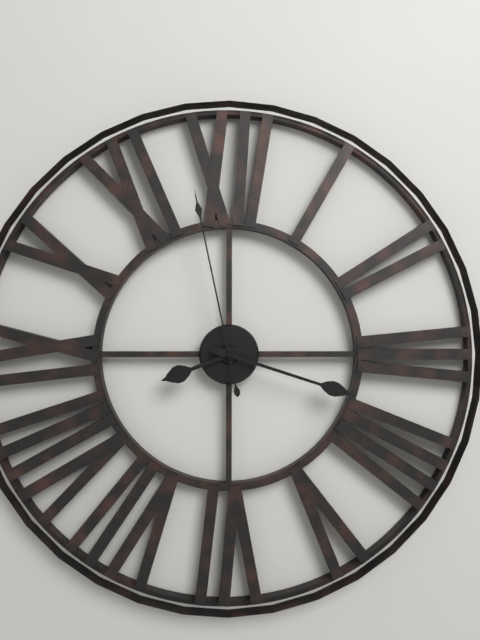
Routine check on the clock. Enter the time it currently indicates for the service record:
8:18:58
